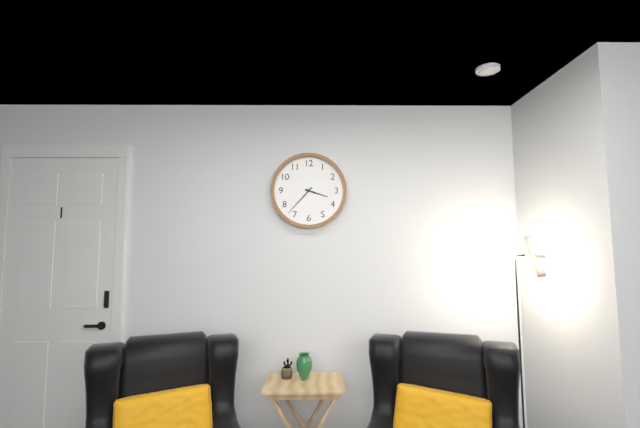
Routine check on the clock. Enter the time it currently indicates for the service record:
3:37
